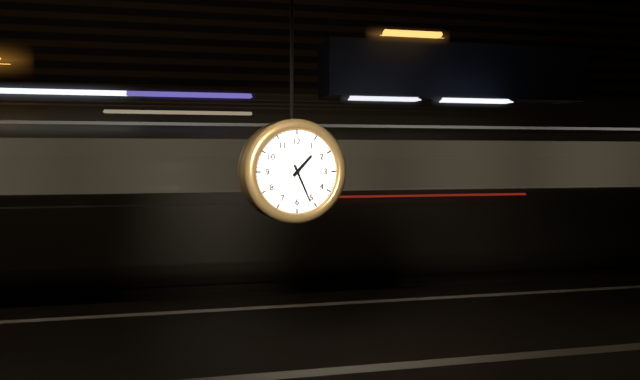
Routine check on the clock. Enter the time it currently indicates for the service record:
1:26
